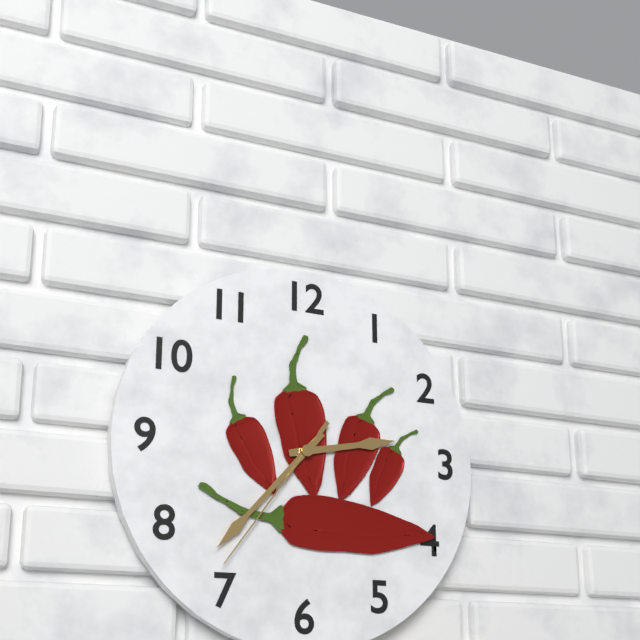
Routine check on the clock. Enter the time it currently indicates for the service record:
2:37:36
